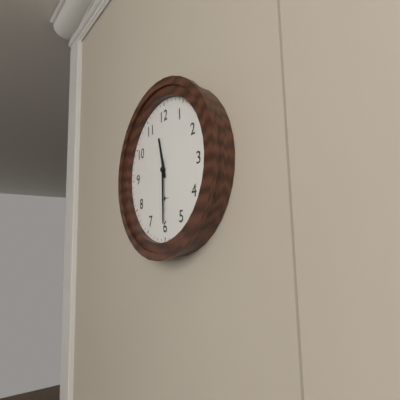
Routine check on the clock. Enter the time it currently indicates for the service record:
11:30
